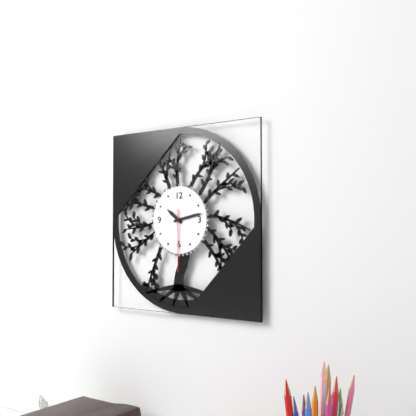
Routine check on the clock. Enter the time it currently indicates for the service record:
10:13:30
